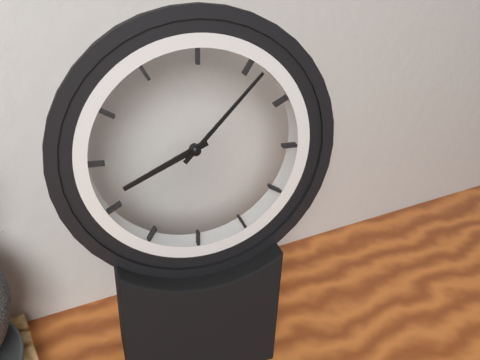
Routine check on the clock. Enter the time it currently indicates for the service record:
8:07
